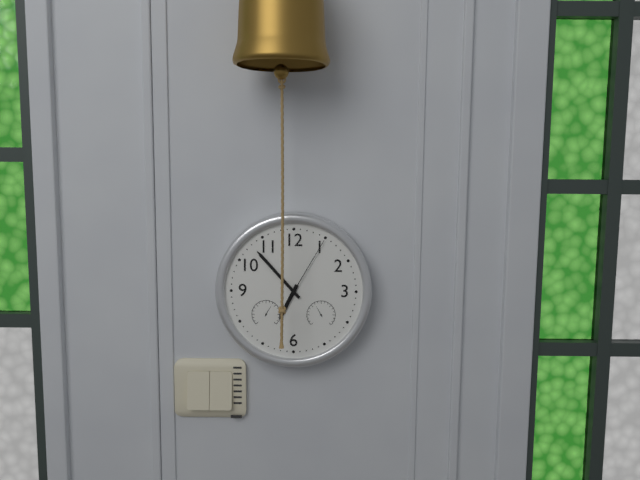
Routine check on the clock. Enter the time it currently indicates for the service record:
6:53:05
